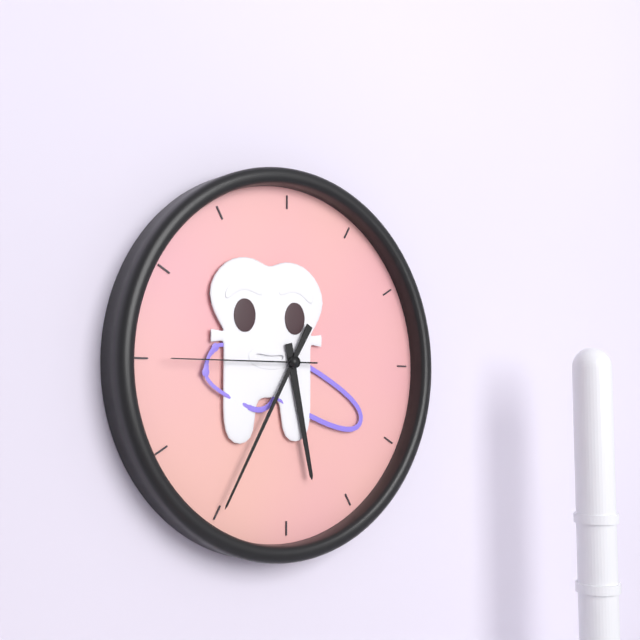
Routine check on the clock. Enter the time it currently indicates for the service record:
5:35:45
